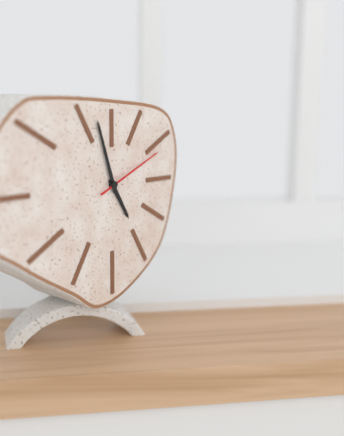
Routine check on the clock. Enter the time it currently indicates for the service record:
4:57:11
